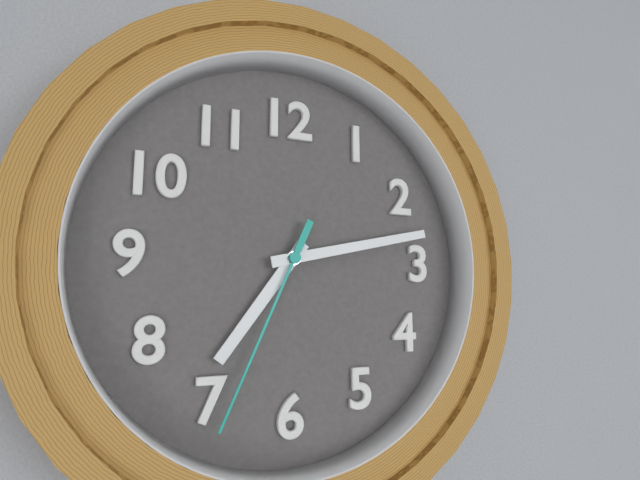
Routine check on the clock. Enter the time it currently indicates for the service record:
7:13:34
